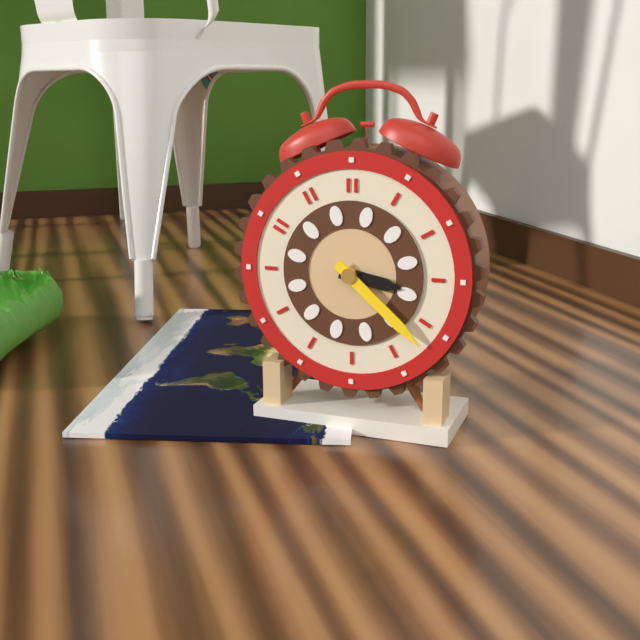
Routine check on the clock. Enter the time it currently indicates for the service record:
3:22
